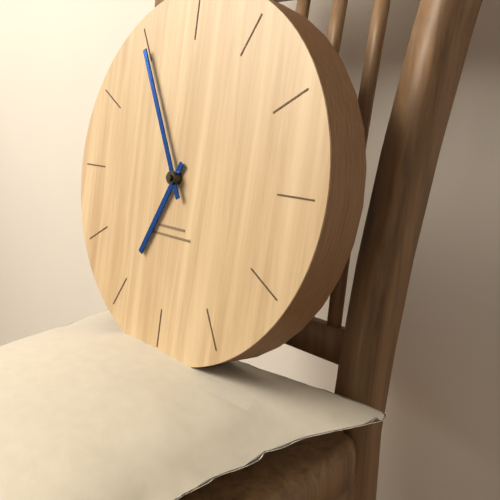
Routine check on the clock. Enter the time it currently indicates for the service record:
6:55
